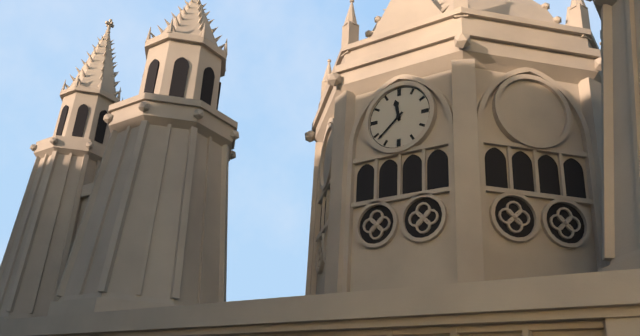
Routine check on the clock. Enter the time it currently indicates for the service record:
11:38
